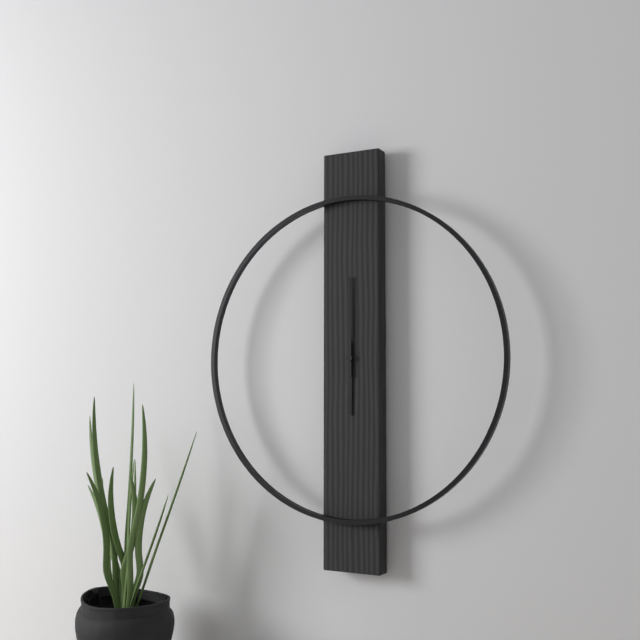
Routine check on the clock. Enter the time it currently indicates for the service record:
6:00
